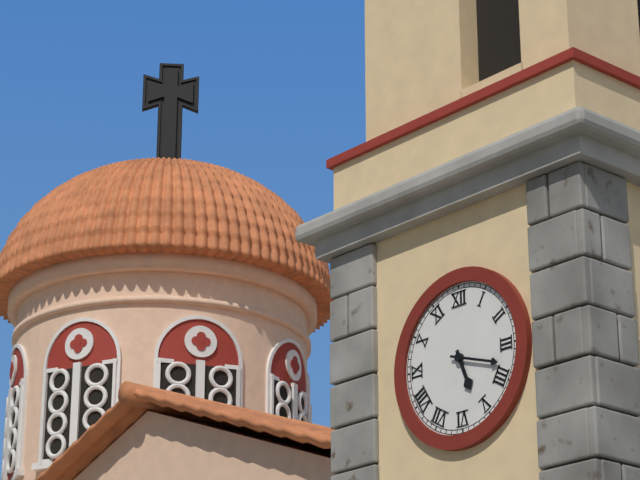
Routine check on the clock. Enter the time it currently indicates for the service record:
5:18
